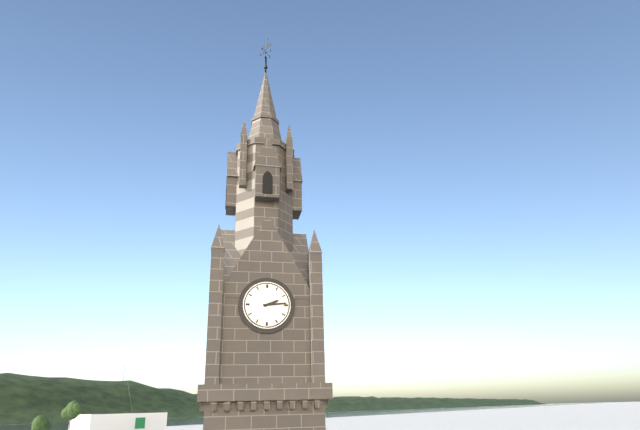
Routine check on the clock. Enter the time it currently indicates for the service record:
2:14
